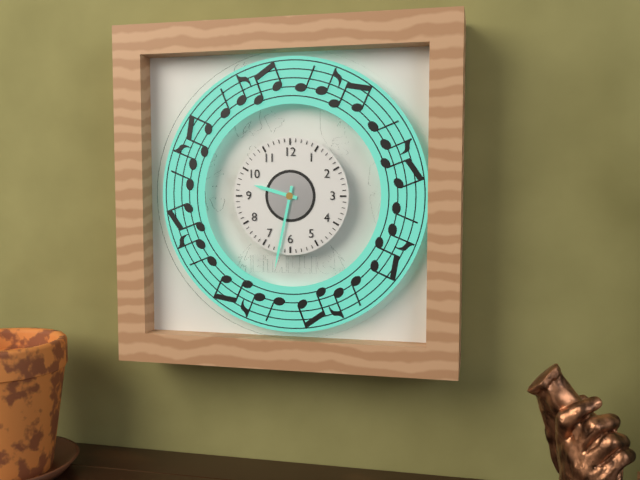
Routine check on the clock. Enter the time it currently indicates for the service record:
9:32
